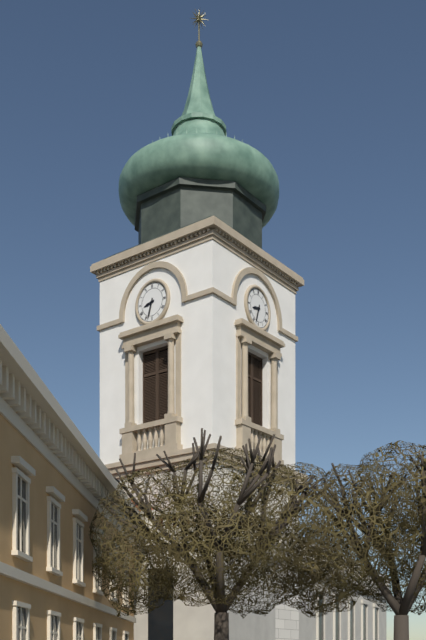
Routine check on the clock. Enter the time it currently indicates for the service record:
8:33
